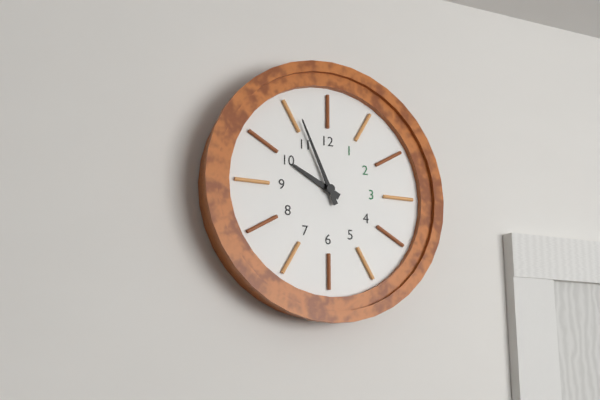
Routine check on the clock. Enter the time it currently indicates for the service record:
9:56
